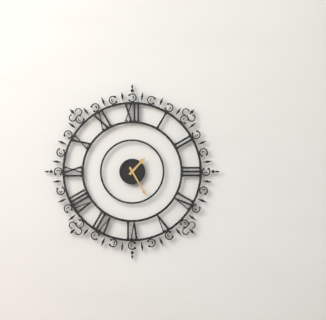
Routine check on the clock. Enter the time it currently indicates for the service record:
1:25
